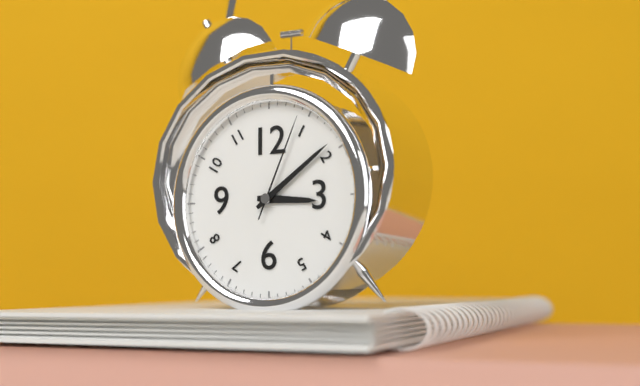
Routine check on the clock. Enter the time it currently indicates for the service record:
3:09:04
